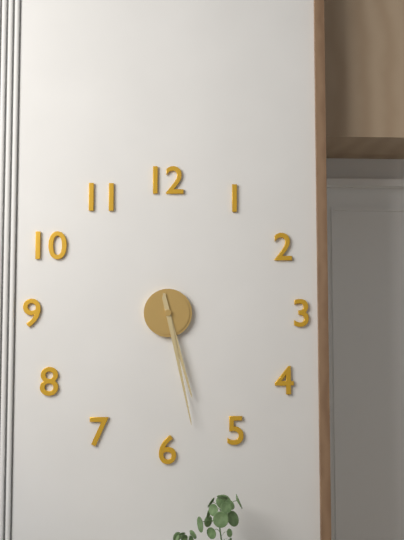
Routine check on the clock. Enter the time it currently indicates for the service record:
5:28
